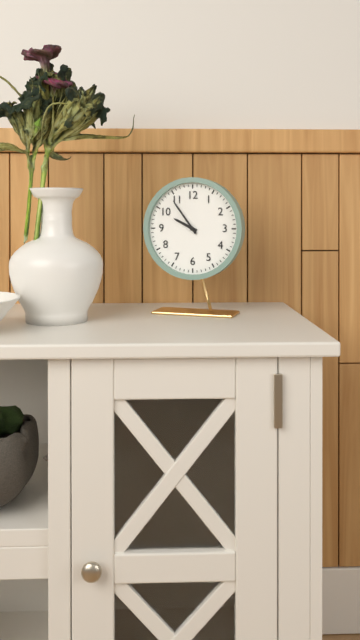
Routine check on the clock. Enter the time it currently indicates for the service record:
9:54
